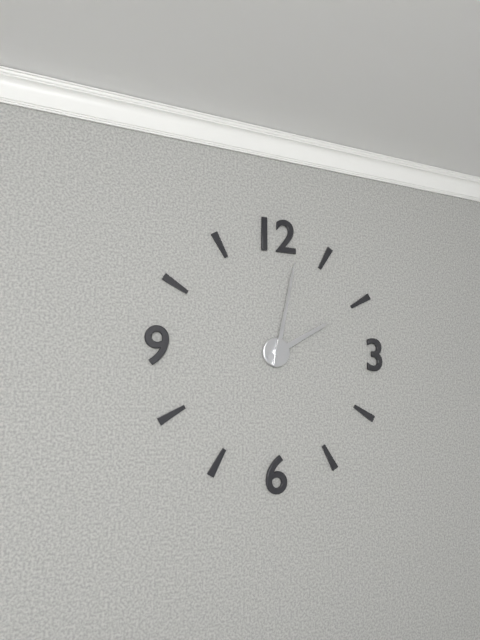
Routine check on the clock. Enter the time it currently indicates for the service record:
2:02
